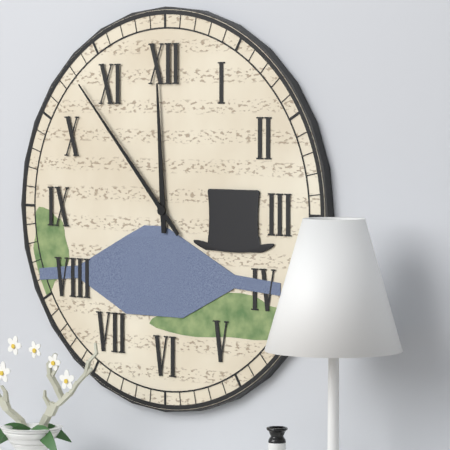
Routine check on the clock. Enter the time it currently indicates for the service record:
11:53
